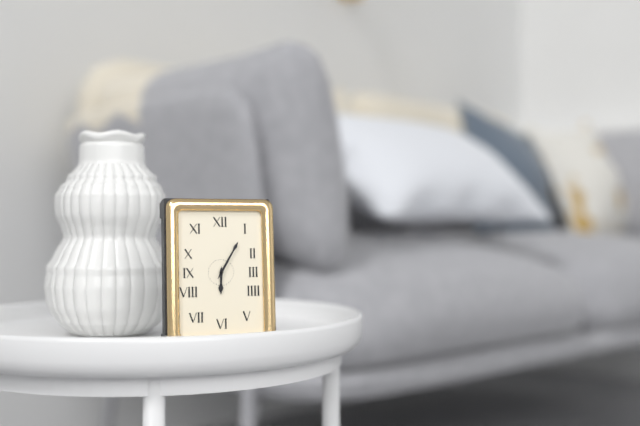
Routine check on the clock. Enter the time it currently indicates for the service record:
6:05
